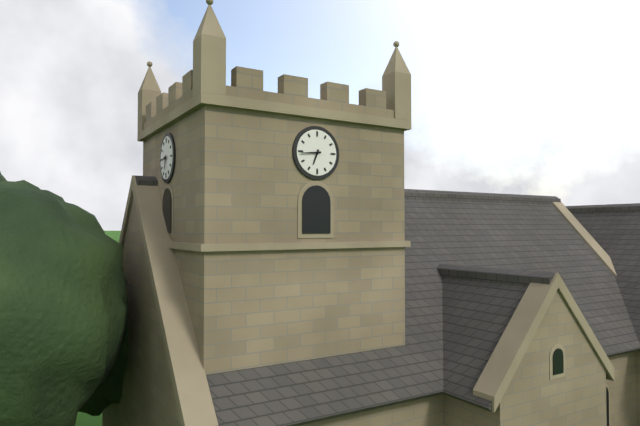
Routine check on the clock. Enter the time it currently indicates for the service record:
6:44
